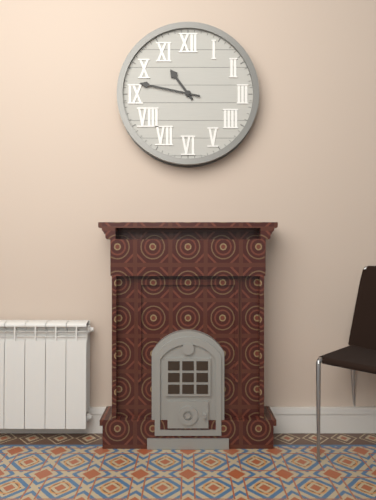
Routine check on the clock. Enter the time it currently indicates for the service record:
10:47
